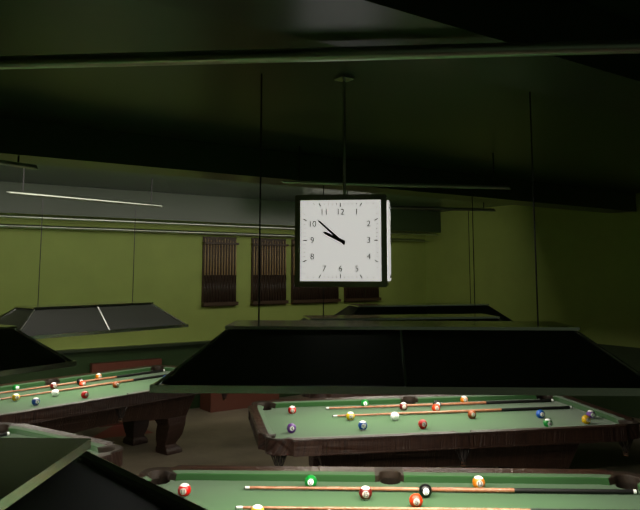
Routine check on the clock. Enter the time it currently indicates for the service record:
9:52
